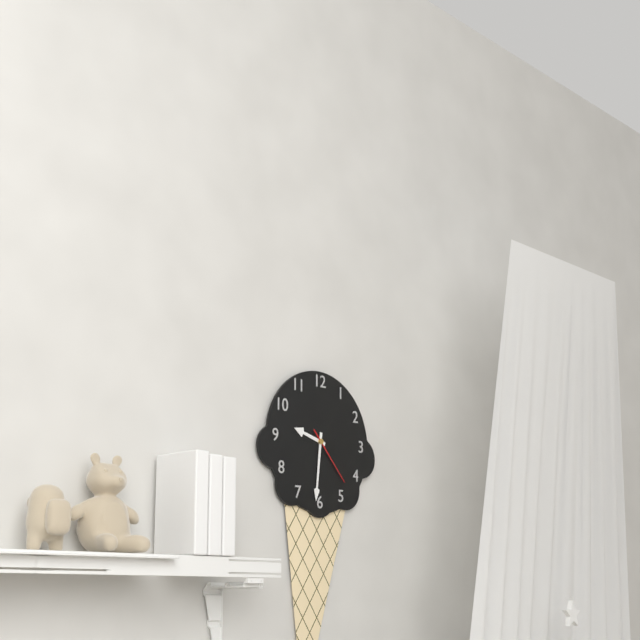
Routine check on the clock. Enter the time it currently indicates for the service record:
9:31:23
